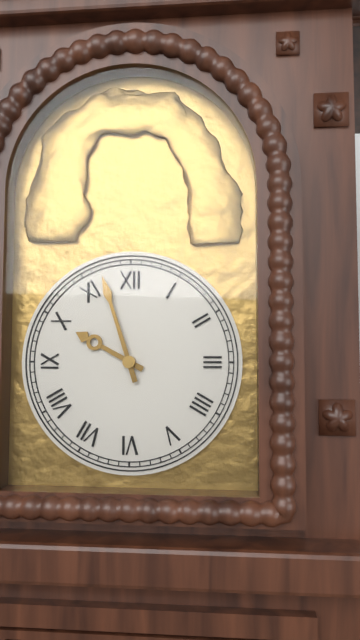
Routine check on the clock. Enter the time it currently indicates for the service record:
9:57
